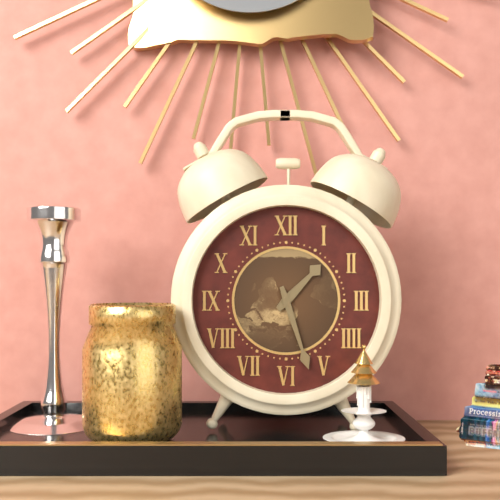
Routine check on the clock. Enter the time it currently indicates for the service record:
1:27
